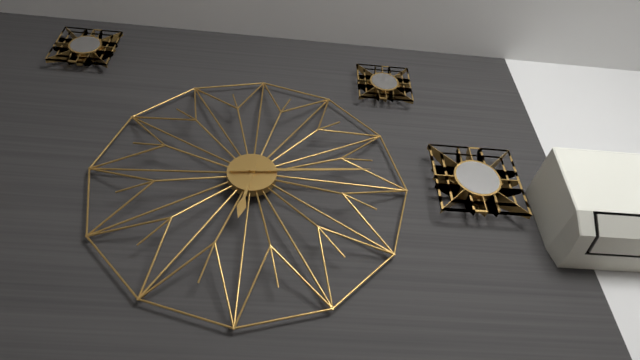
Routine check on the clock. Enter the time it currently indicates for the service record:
6:14
